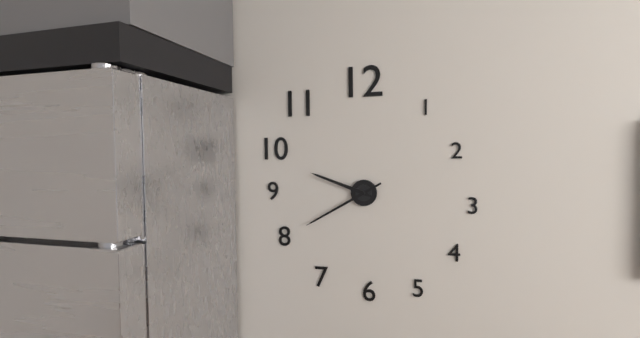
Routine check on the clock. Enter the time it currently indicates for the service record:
9:40
